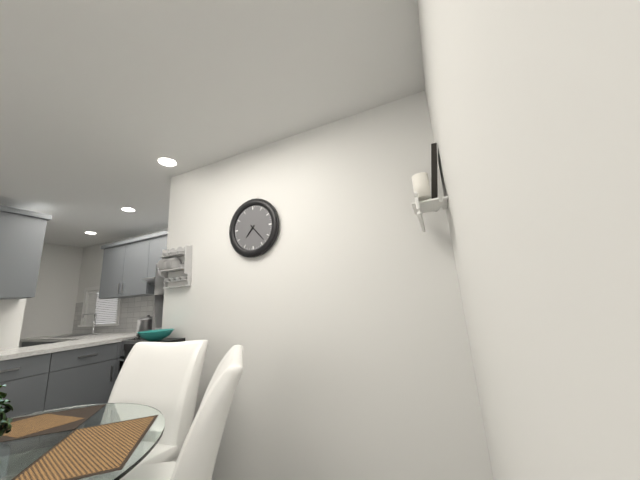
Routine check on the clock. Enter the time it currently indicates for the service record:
7:23
